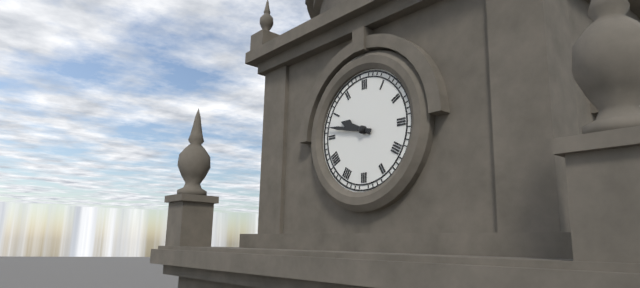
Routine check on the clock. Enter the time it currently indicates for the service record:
9:47
